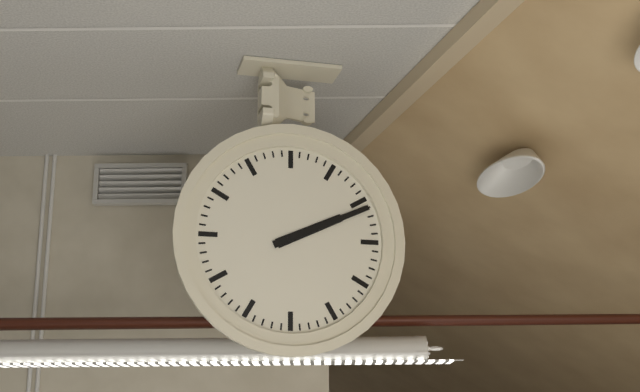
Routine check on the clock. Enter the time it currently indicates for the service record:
2:11
